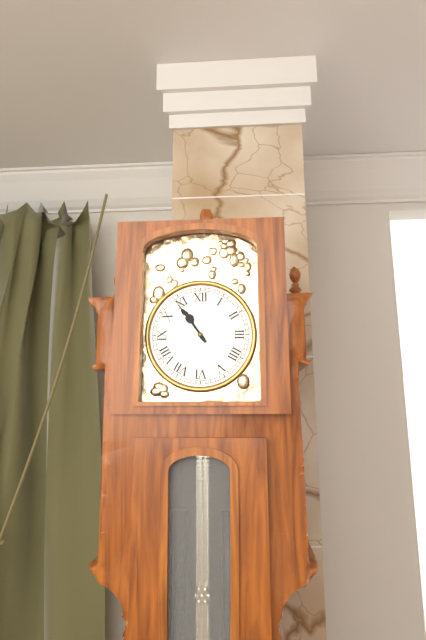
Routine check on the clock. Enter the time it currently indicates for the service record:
10:54
